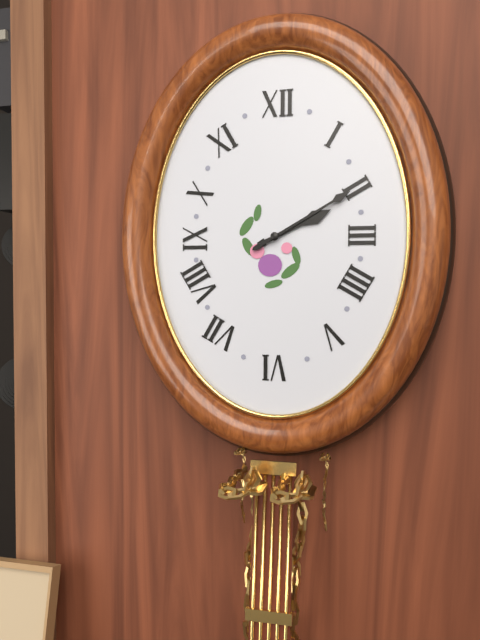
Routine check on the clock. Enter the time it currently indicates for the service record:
2:10
